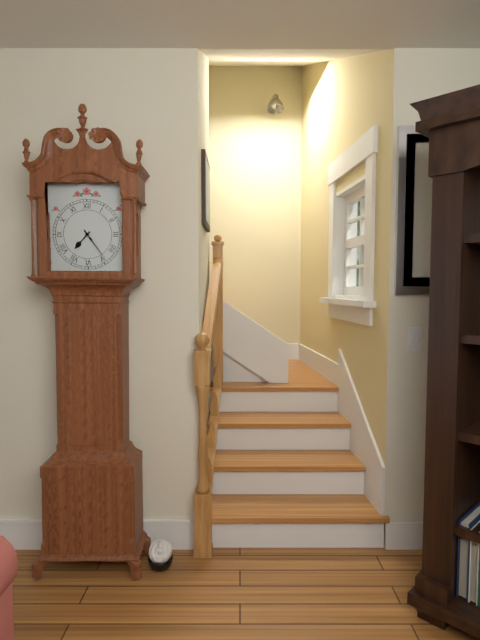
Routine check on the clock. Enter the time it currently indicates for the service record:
7:24
